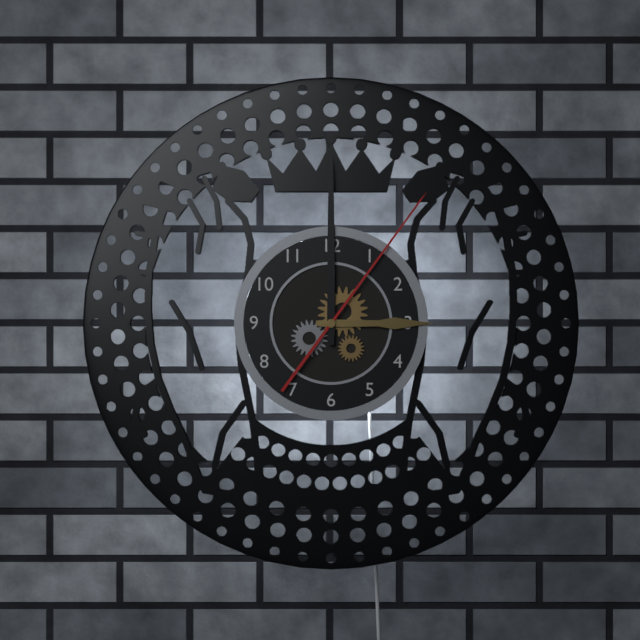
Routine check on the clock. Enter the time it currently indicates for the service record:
3:00:06
